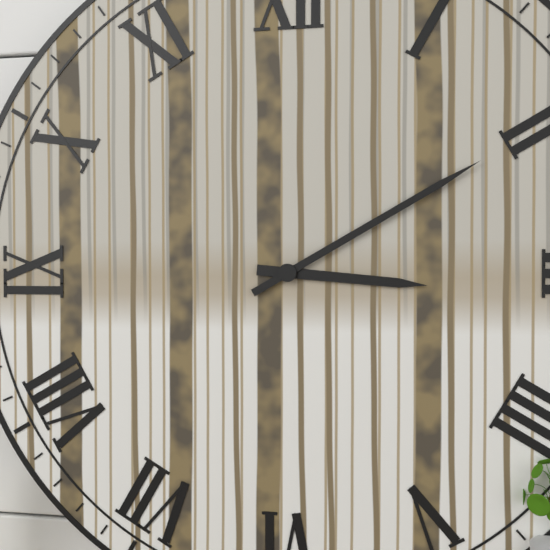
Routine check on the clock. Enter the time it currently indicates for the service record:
3:10
